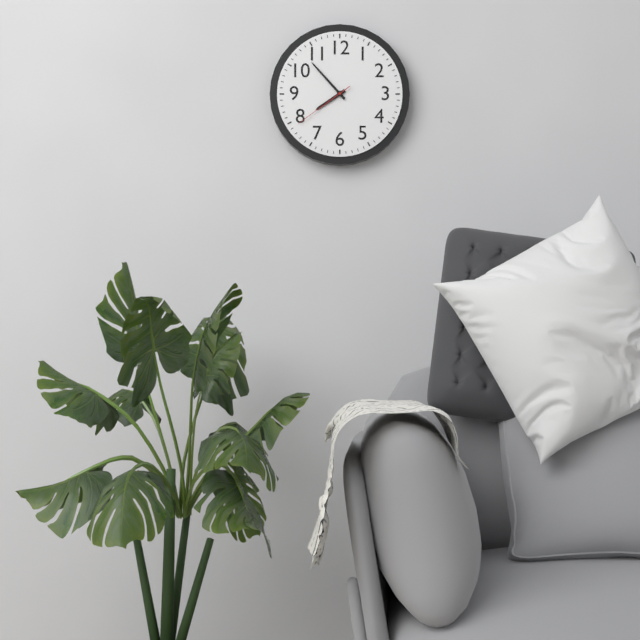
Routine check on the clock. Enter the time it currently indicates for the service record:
7:53:39
